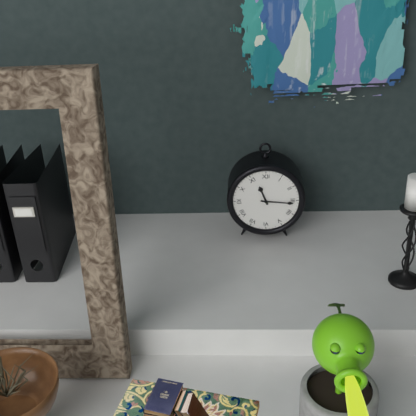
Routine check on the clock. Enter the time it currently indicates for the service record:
11:16
